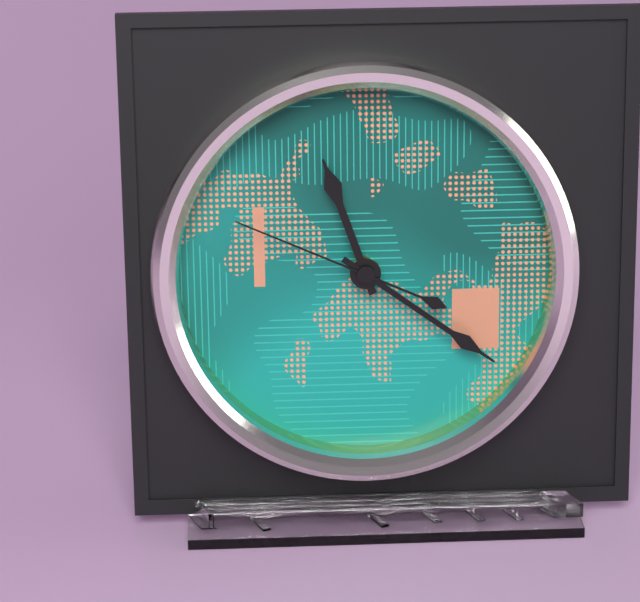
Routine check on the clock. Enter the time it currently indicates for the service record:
11:21:49
